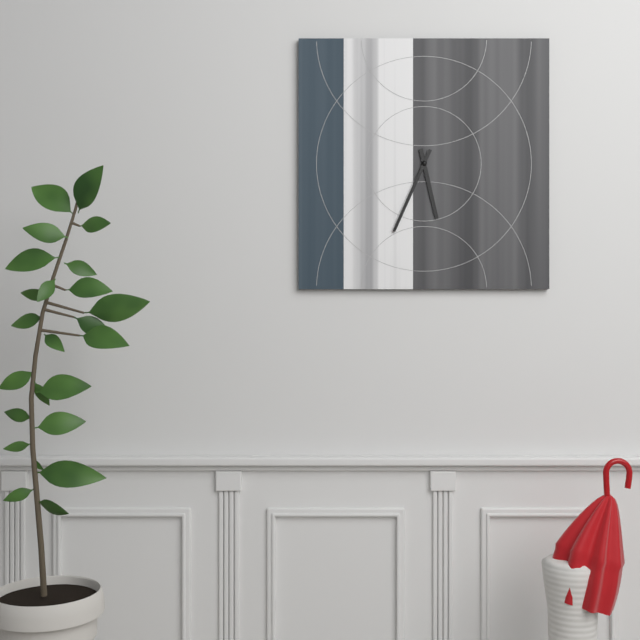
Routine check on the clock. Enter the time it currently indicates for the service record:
5:34
